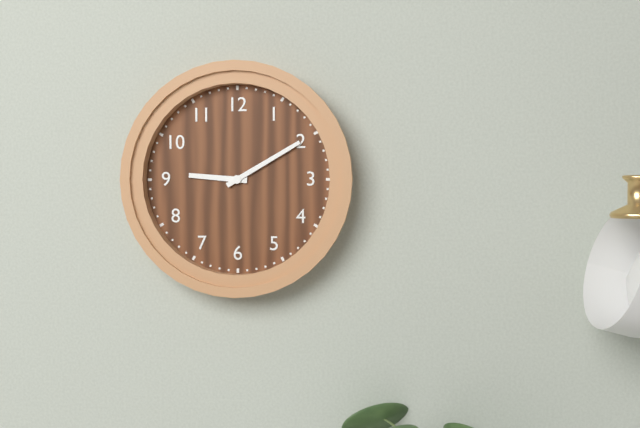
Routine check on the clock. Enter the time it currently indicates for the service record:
9:10
